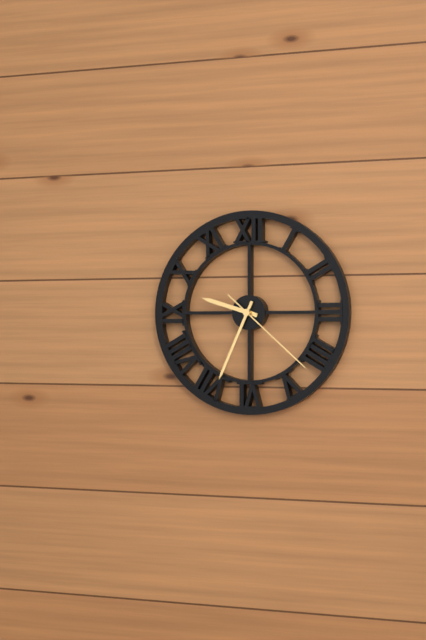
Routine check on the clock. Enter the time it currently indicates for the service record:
9:34:22
